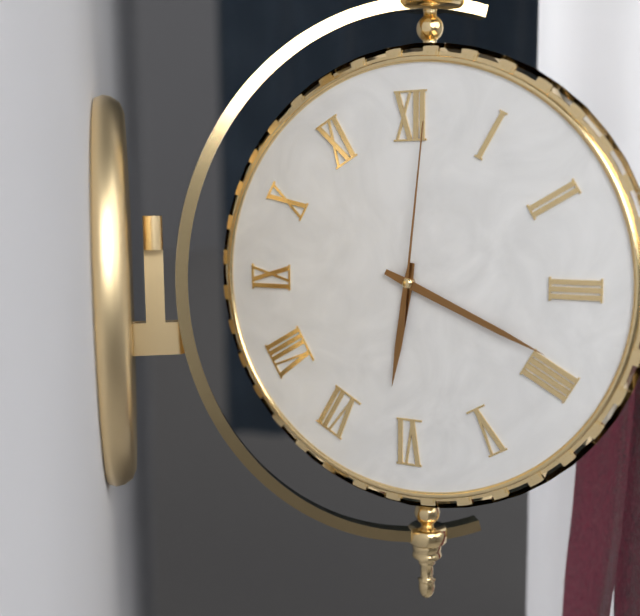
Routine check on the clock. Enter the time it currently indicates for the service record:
6:19:01
